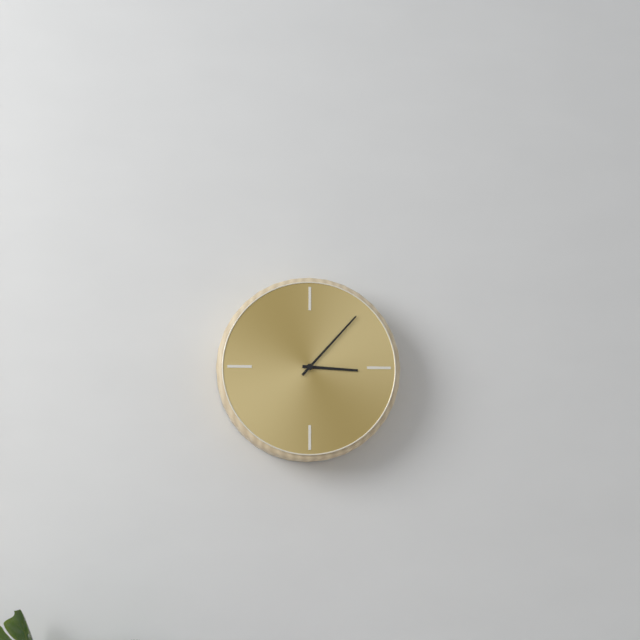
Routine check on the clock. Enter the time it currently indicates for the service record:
3:07
